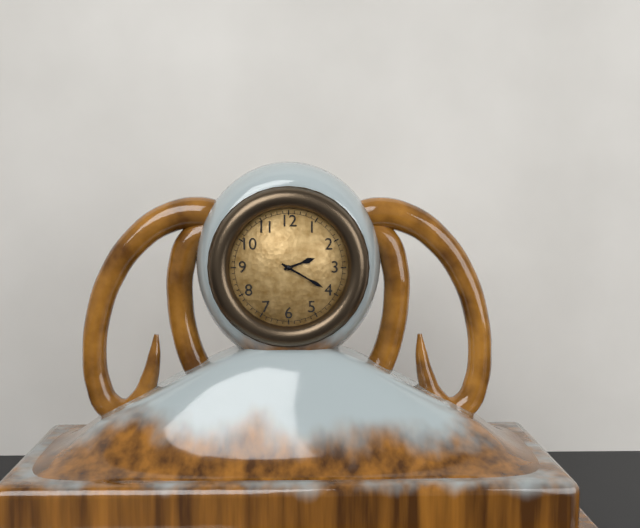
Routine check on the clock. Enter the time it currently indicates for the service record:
2:20
